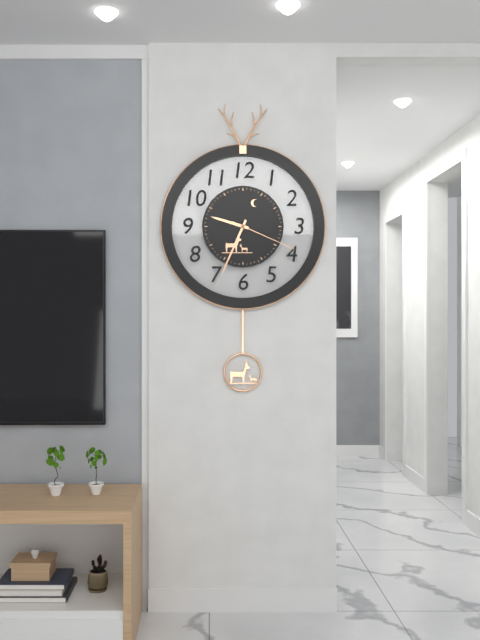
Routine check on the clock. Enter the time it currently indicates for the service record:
9:34:19
